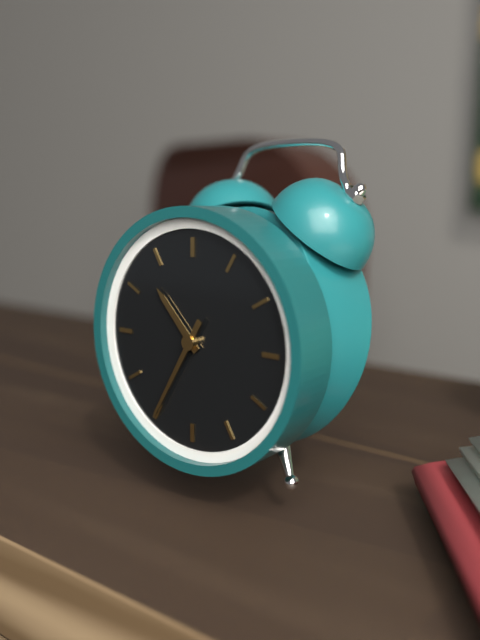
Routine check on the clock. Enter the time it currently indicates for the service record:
10:35
